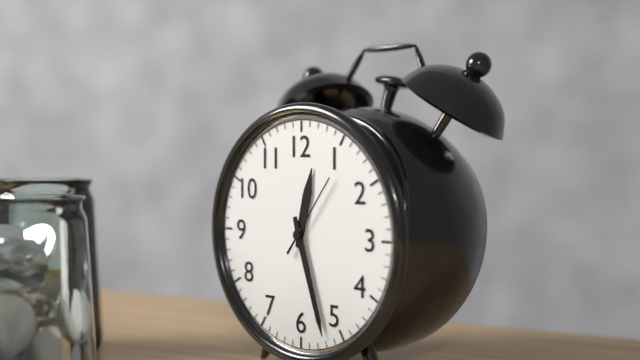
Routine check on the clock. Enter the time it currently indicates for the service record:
12:27:06
